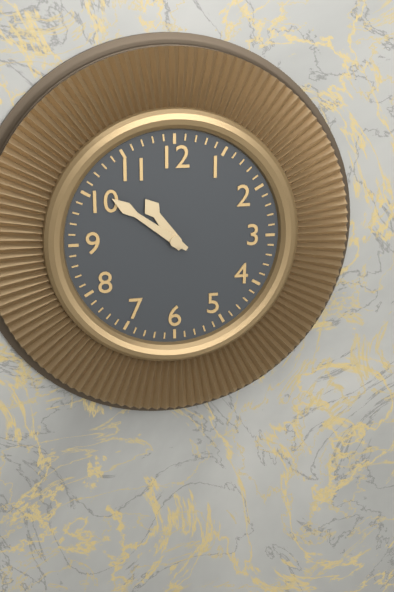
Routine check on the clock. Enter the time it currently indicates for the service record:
10:51
